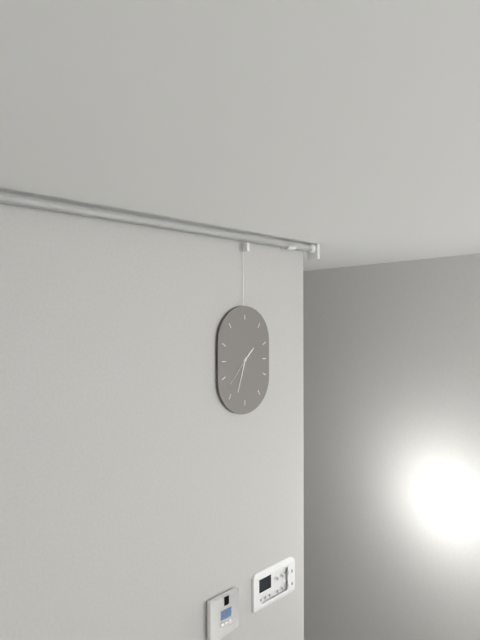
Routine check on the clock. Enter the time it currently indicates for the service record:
1:33
